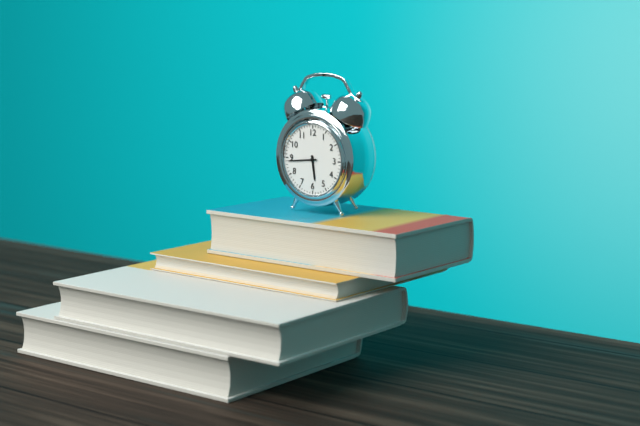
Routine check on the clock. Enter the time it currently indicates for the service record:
5:44
